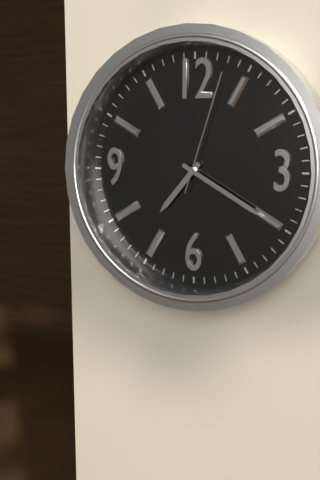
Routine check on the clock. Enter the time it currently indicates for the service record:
7:20:03
